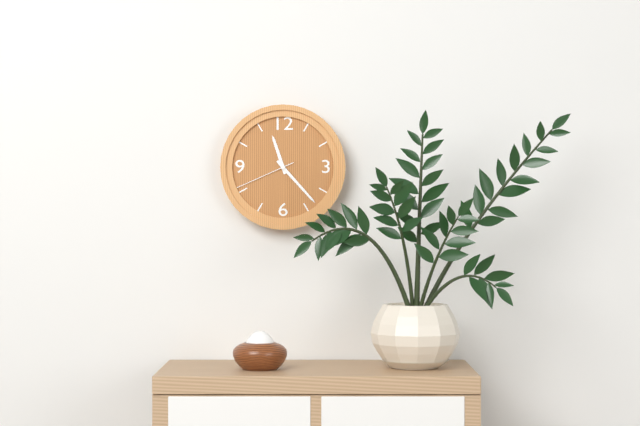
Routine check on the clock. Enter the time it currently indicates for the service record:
11:23:41
